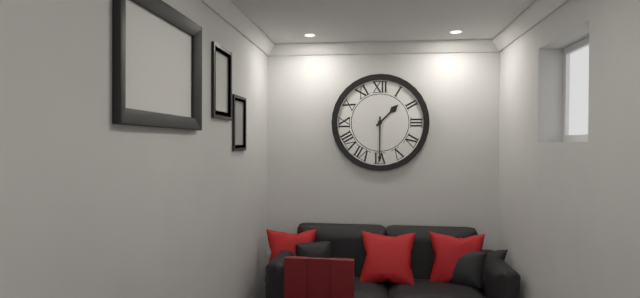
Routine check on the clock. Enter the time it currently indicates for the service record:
1:30
